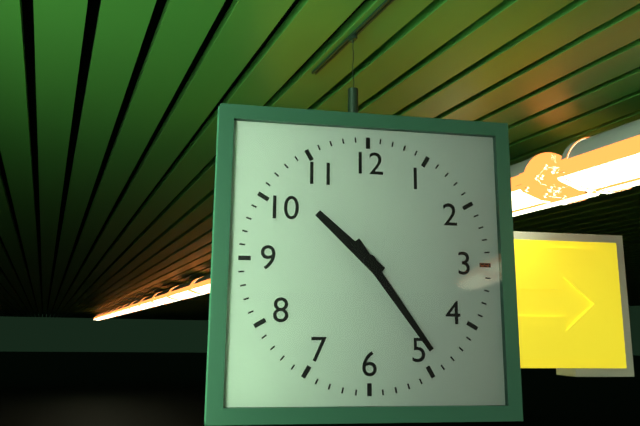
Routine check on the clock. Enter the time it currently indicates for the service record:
10:24
